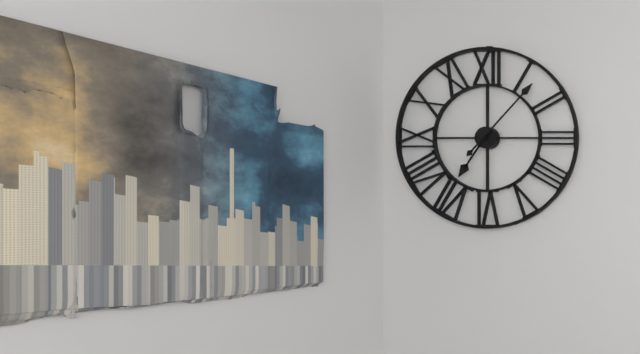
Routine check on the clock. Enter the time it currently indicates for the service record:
7:07
